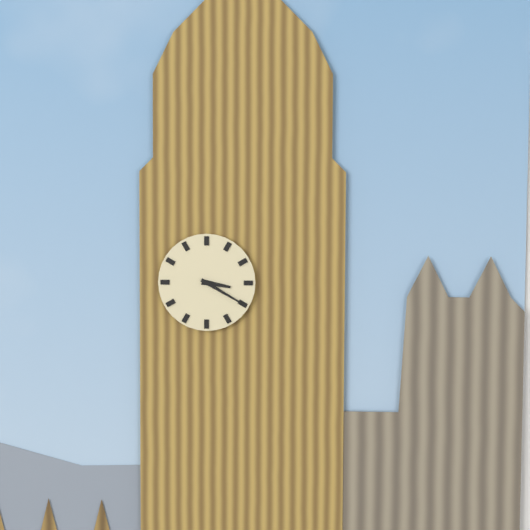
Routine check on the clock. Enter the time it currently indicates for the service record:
3:20
